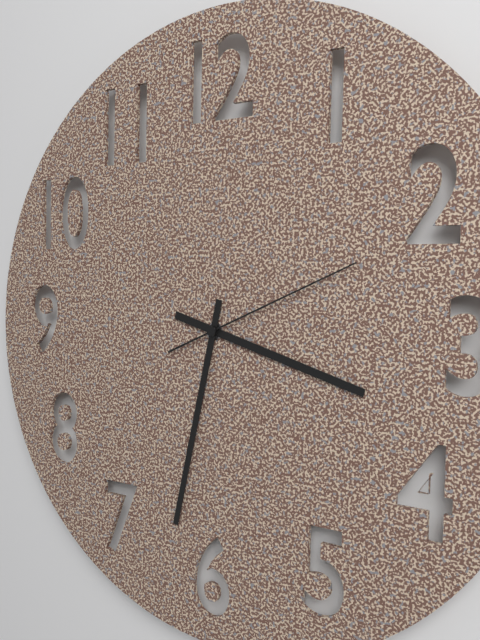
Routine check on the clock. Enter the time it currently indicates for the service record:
3:32:11
